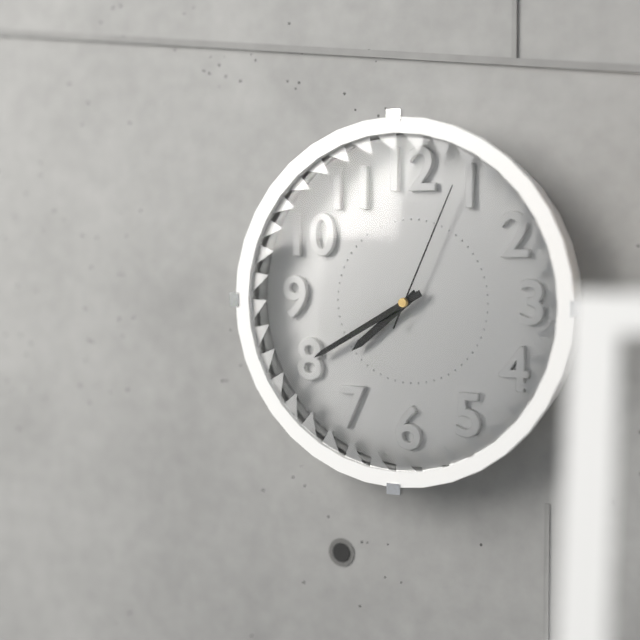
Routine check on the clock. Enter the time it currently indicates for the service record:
7:40:04
